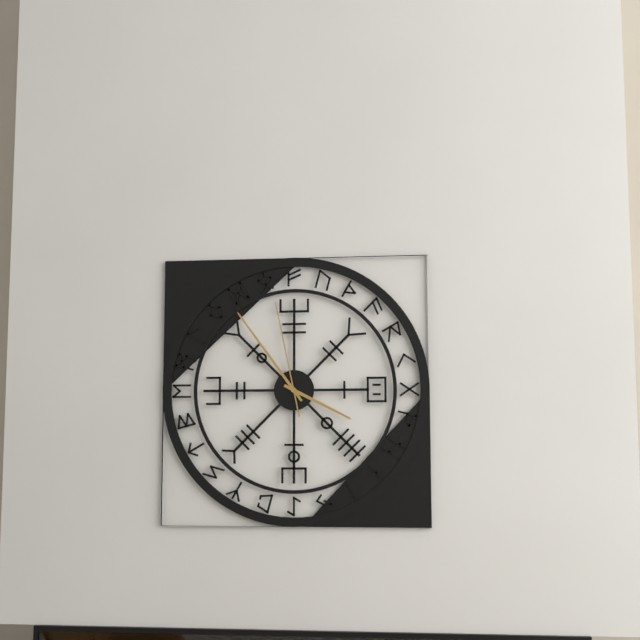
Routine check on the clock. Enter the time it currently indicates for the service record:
3:54:58
